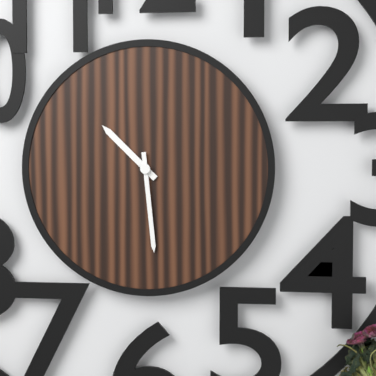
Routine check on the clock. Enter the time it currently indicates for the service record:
10:29
